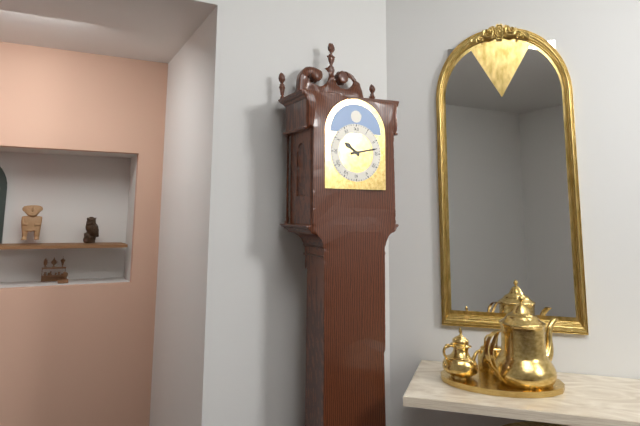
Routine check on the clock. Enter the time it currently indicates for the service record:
10:13
